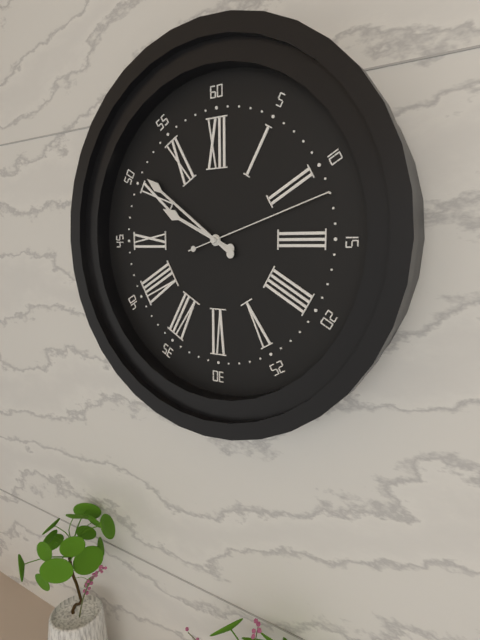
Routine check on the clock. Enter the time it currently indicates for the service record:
9:51:12
